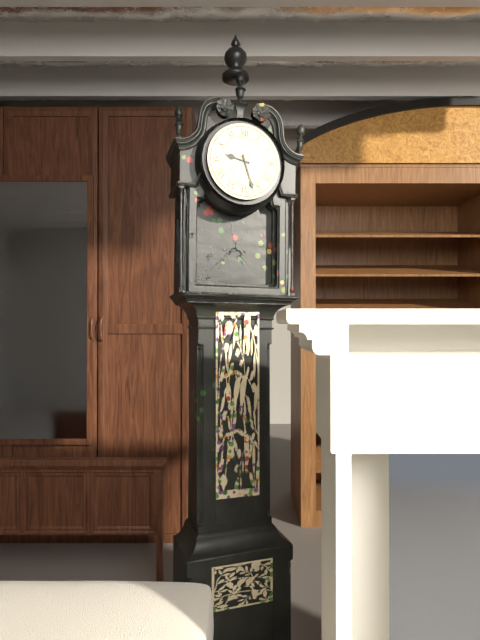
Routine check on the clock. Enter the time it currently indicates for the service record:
9:27
